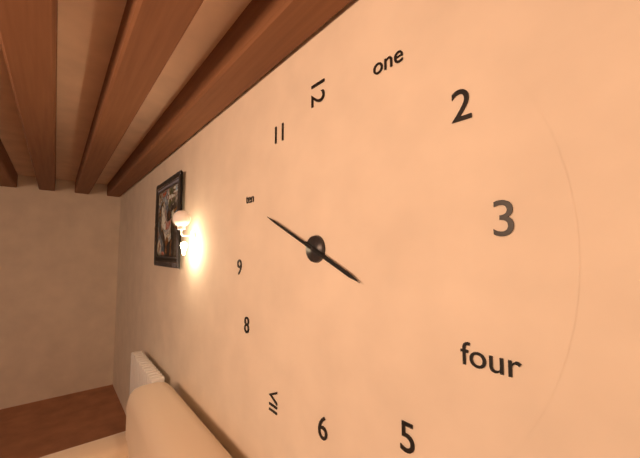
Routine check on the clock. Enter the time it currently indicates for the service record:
3:49
